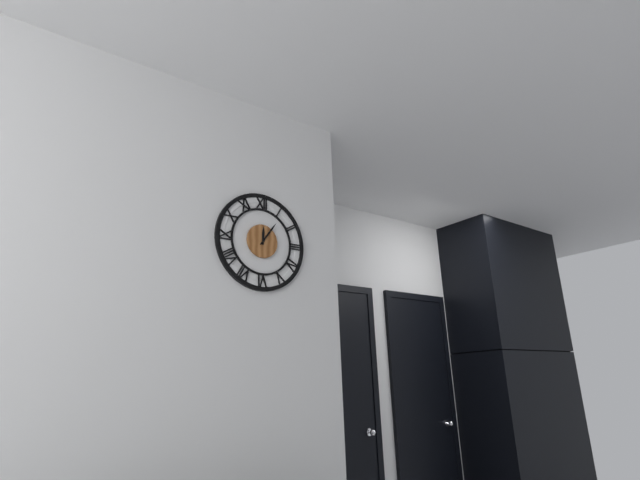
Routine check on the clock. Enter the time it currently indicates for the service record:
12:06
